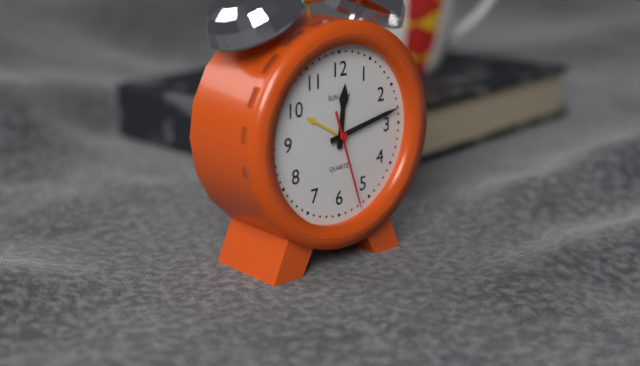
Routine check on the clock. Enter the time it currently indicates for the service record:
12:13:27
